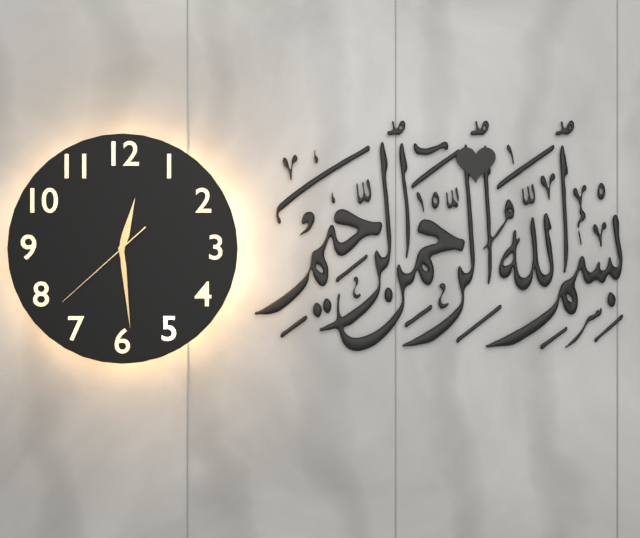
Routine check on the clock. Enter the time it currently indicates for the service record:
12:29:38
